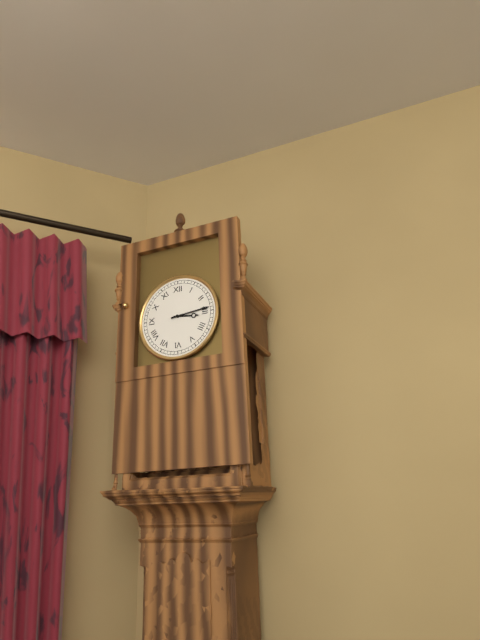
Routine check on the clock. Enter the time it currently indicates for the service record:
3:14
